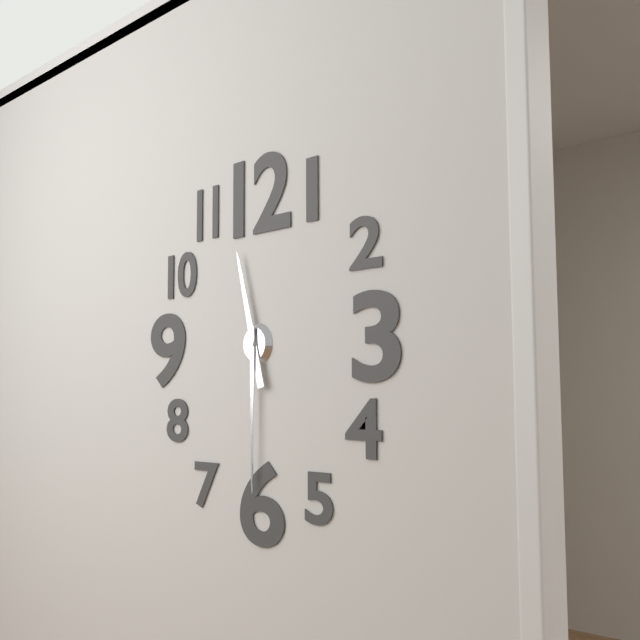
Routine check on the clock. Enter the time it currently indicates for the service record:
11:30
